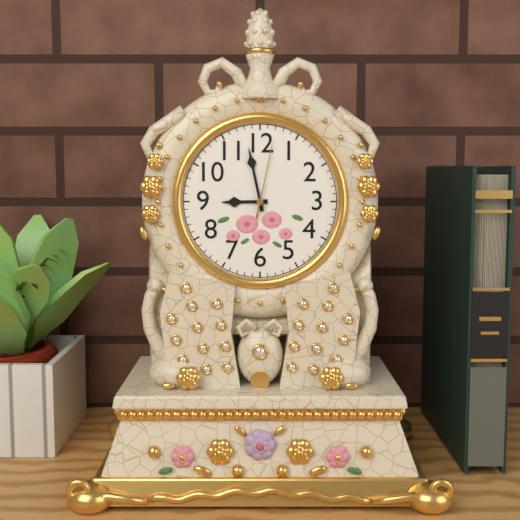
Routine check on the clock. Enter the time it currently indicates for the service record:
8:58:02
